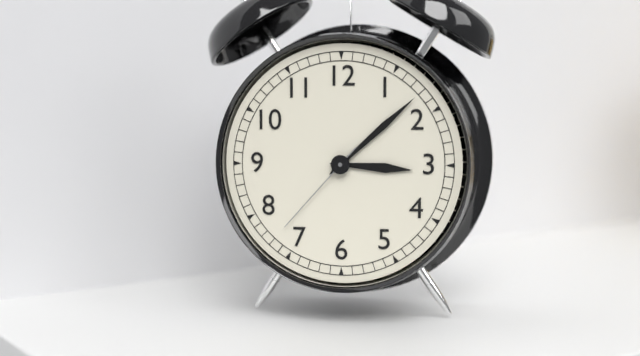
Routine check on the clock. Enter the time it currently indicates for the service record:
3:08:37
